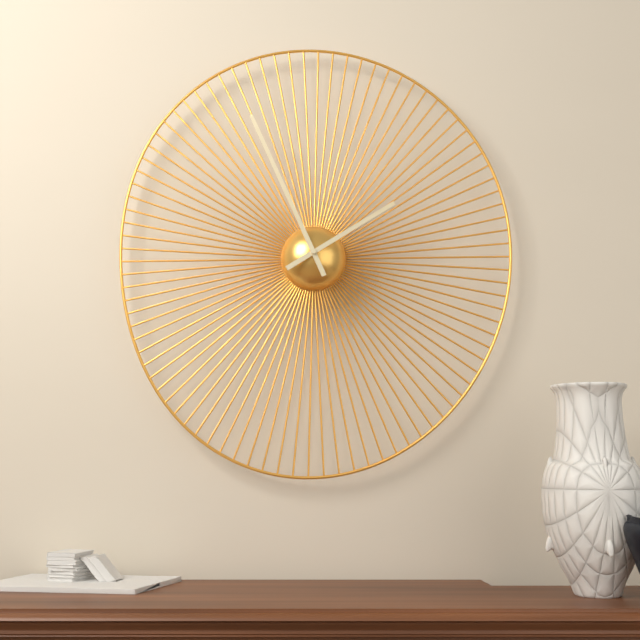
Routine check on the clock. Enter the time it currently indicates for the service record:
1:56
